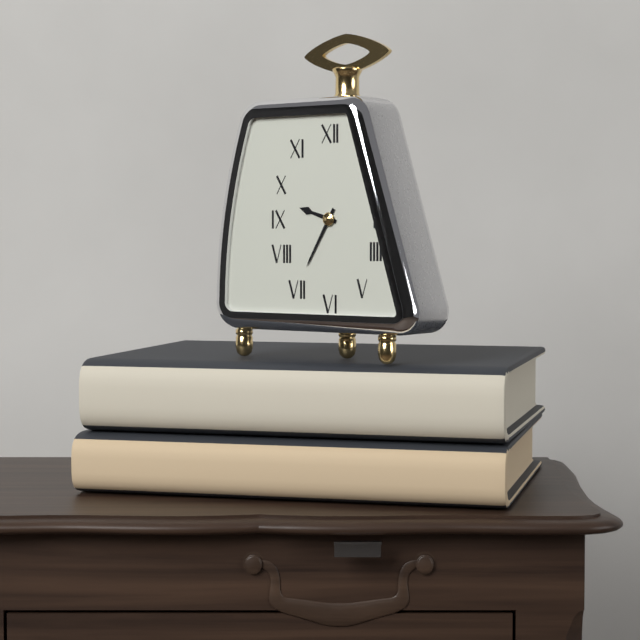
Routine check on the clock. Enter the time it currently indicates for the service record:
9:35
